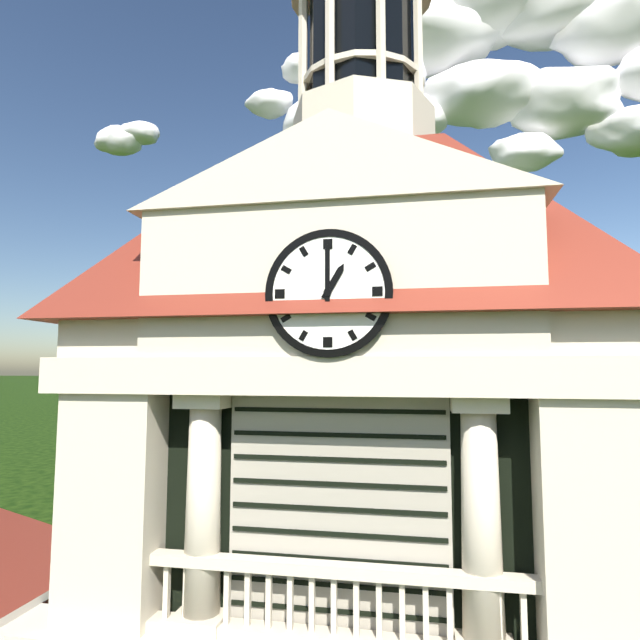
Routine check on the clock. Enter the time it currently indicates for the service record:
1:00
